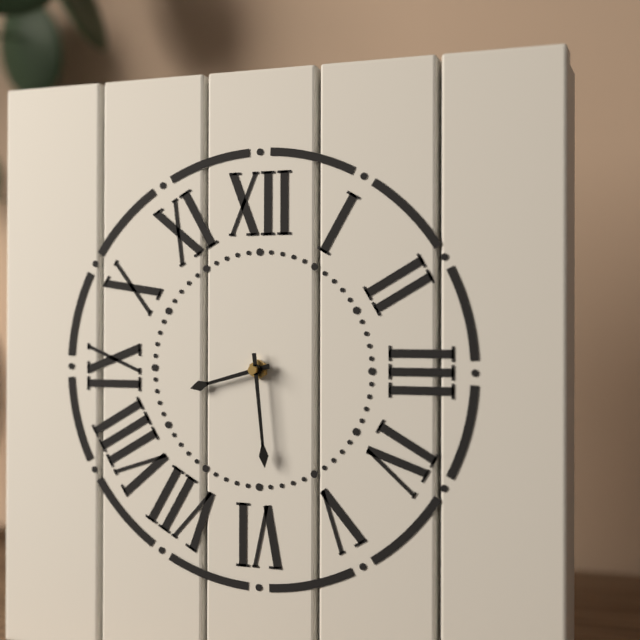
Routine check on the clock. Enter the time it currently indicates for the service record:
8:29
